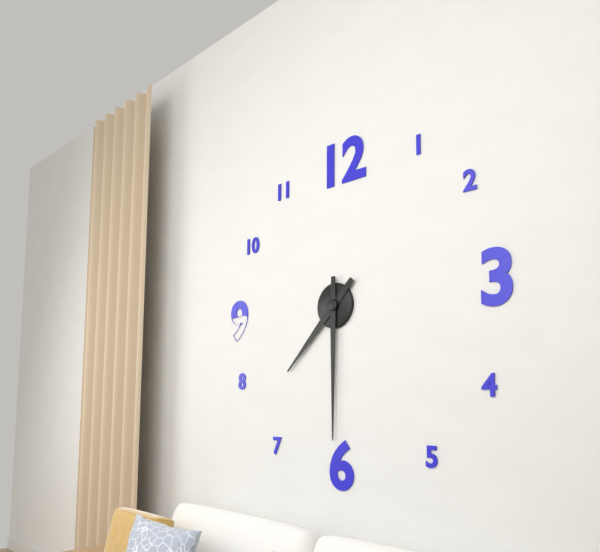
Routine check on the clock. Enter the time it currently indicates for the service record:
7:30
